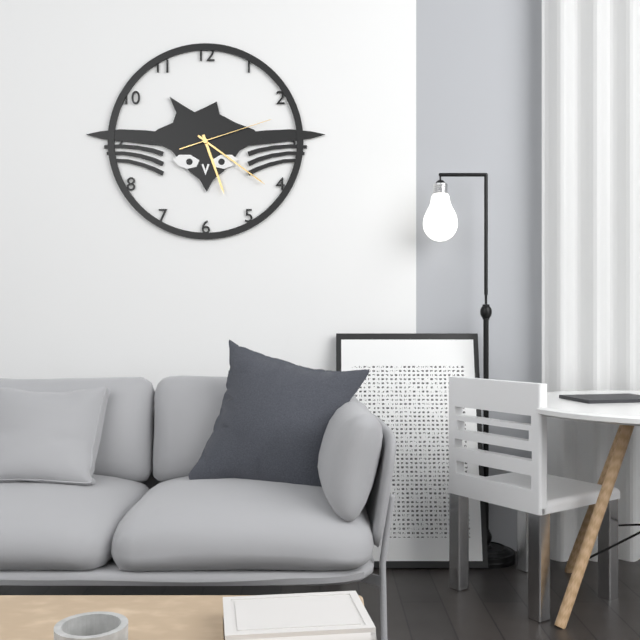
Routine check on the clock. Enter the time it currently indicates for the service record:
5:21:12
